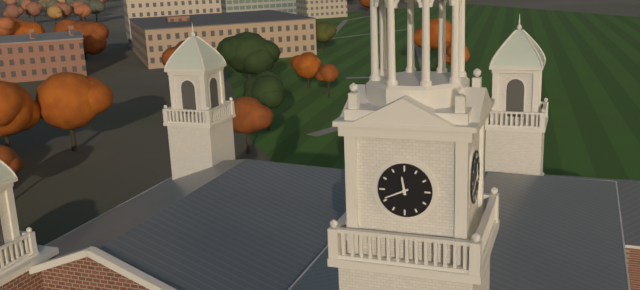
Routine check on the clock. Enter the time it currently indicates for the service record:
11:41
